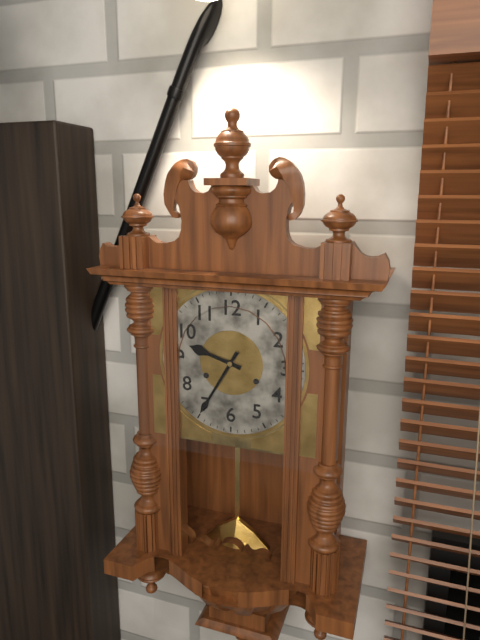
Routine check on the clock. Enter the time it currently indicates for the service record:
9:35
